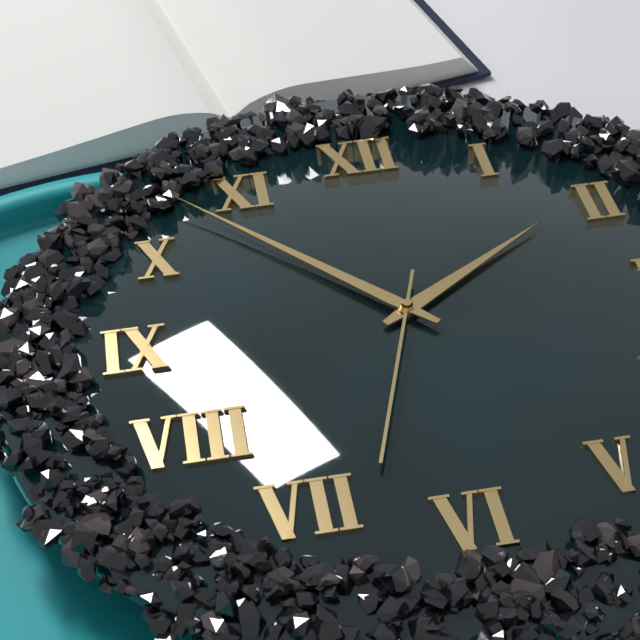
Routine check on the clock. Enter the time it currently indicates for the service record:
1:53:33
